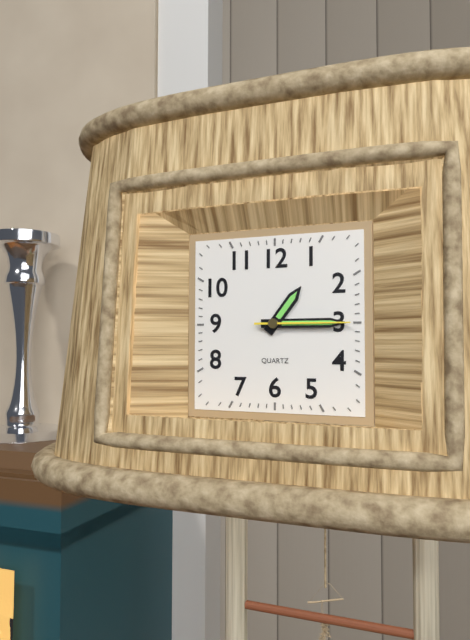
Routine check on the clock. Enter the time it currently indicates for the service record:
1:15:15
